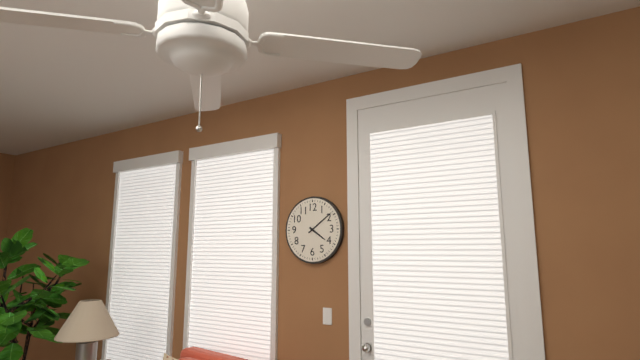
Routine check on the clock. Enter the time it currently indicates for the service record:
4:09
